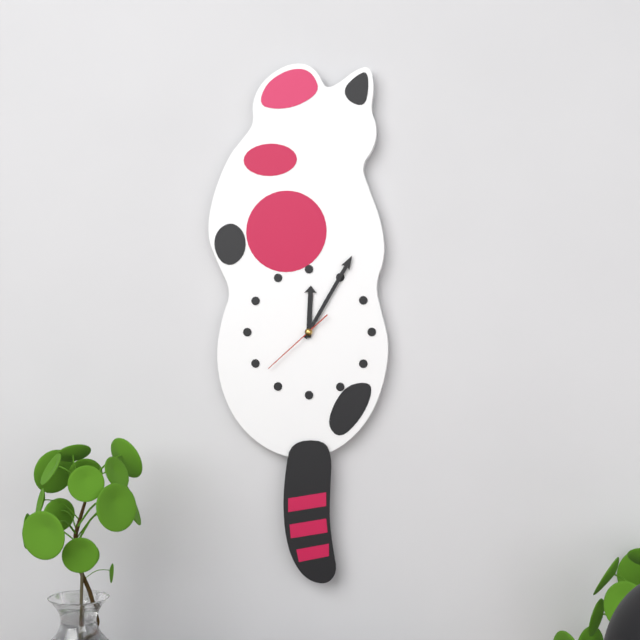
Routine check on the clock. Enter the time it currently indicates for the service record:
12:05:38
